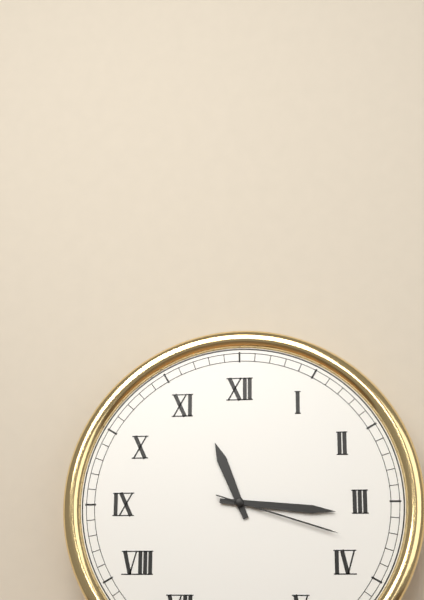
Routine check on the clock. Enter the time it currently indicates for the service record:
11:16:18
